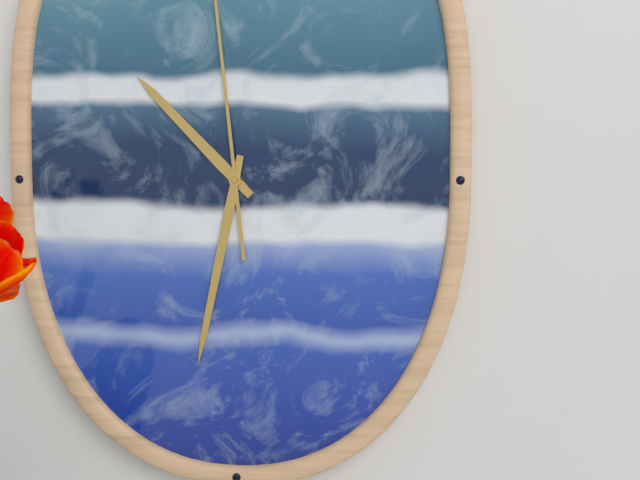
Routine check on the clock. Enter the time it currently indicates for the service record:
10:32
